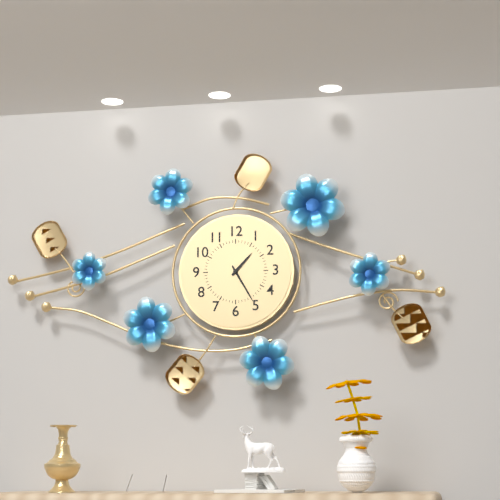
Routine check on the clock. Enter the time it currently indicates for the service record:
1:25
